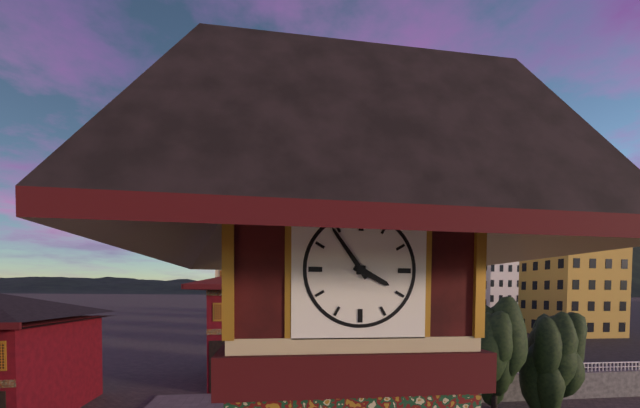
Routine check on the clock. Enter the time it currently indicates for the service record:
3:54
